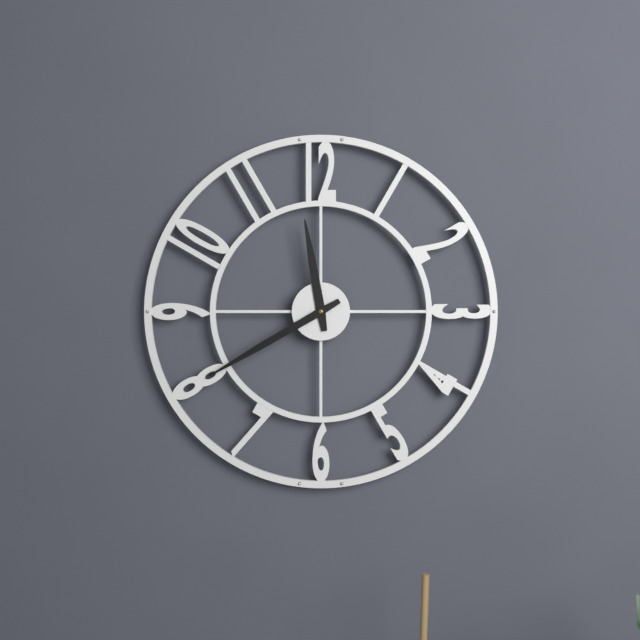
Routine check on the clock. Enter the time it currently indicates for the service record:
11:40
